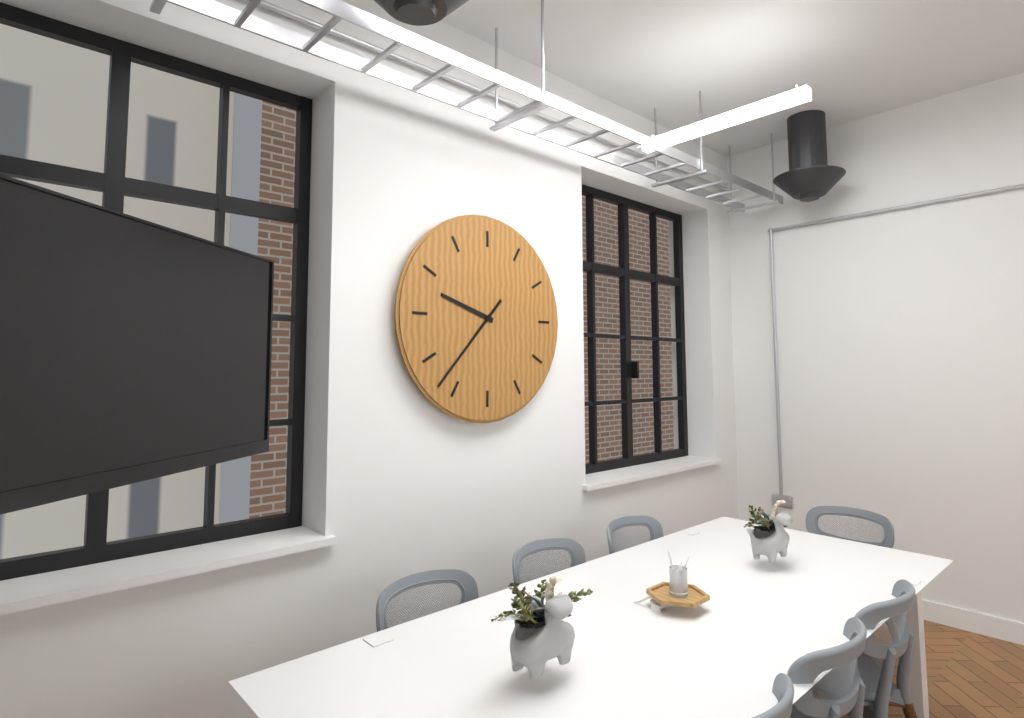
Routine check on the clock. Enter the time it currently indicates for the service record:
9:37
